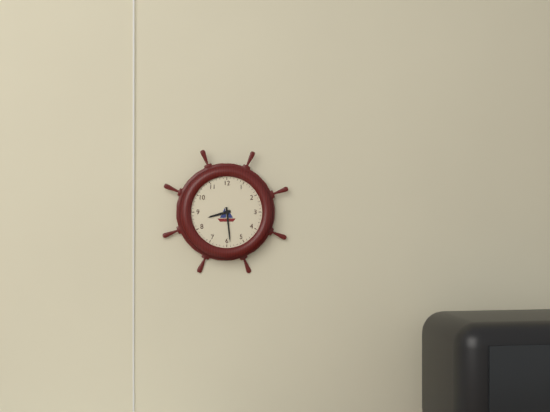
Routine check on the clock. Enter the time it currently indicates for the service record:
8:29
